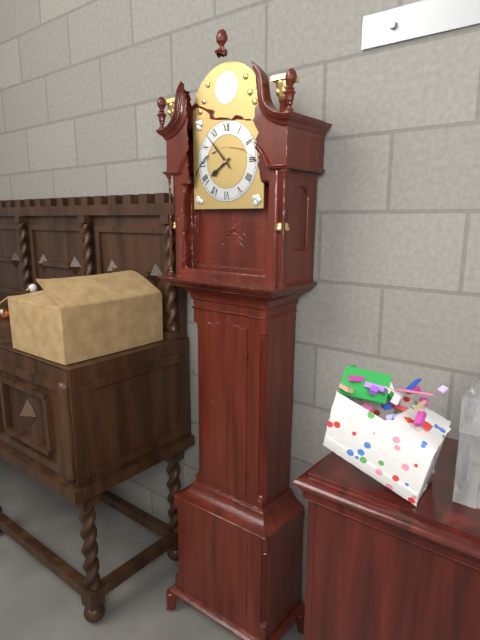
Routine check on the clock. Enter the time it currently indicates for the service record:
7:53
